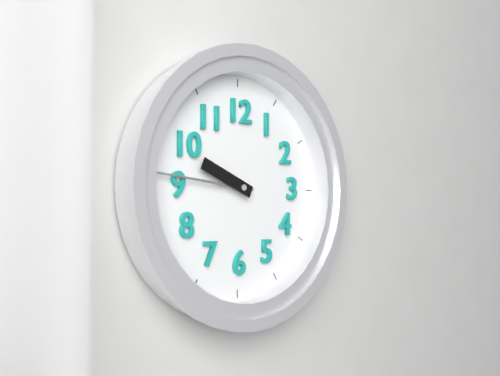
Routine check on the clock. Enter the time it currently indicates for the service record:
9:46
